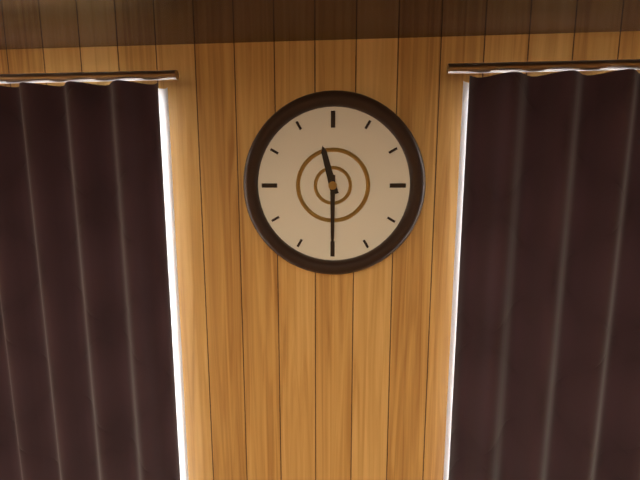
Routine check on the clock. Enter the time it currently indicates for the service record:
11:30
